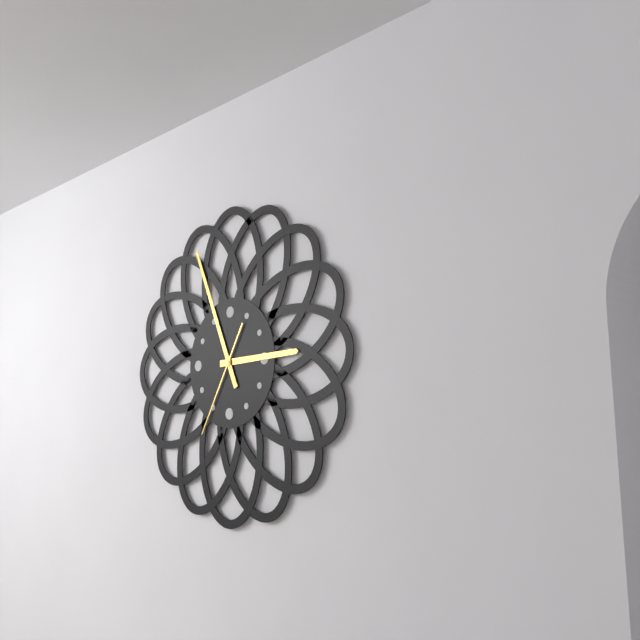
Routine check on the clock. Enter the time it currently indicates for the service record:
2:56:35
